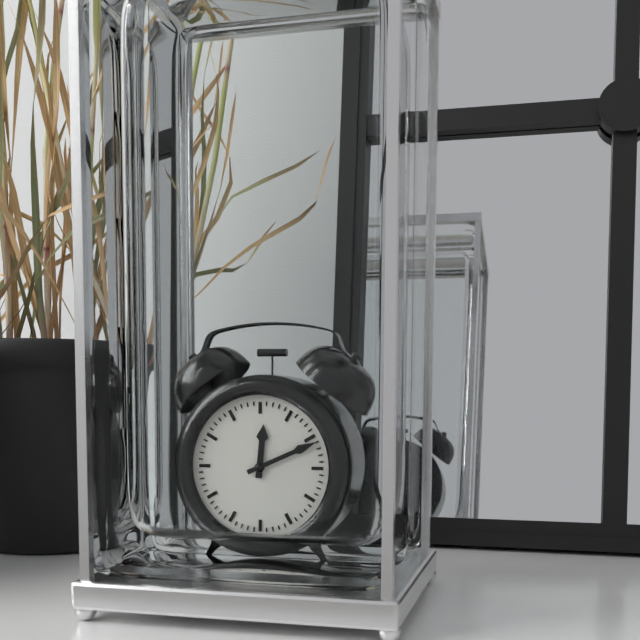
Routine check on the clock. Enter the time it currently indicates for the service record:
12:11
